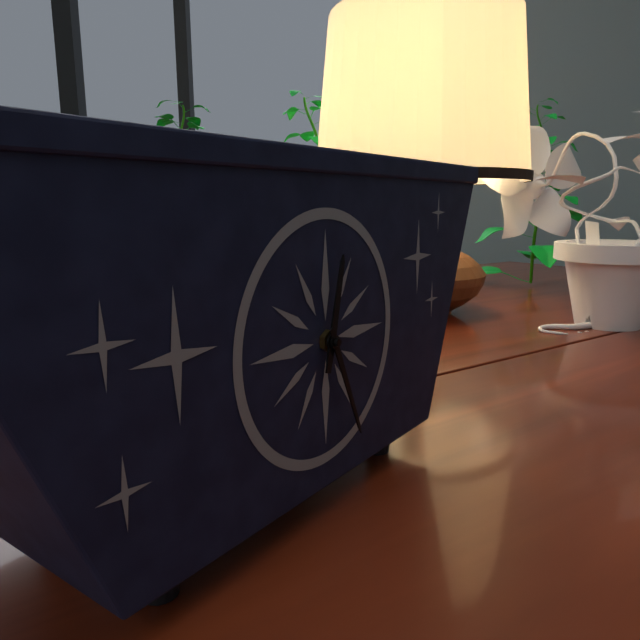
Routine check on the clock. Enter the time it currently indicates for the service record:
12:26
